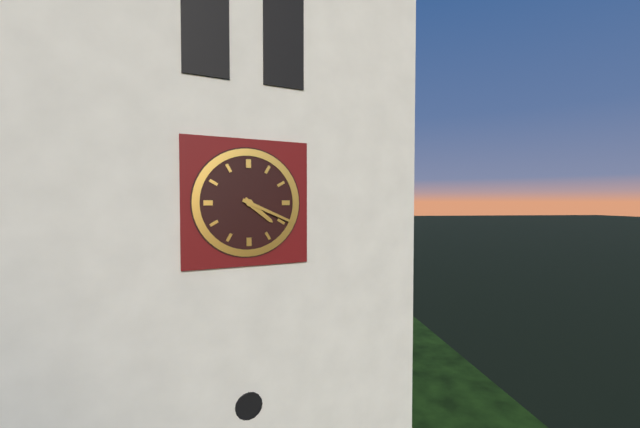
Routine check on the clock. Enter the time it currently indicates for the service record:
4:19
